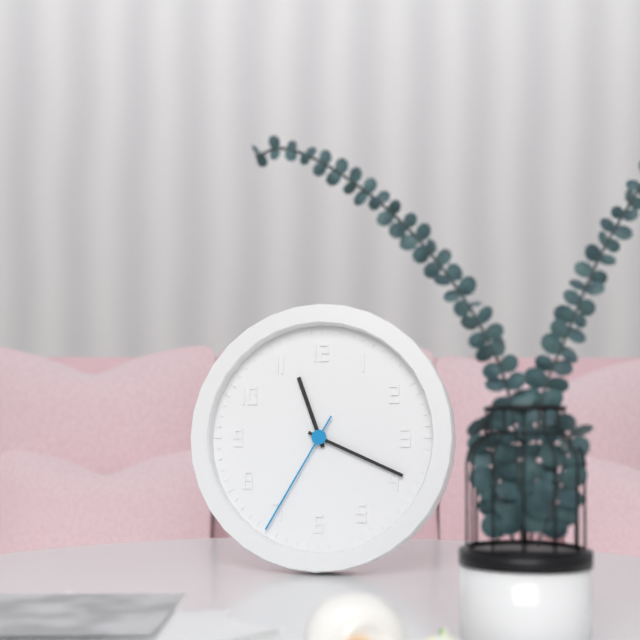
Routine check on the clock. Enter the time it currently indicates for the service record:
11:19:35
